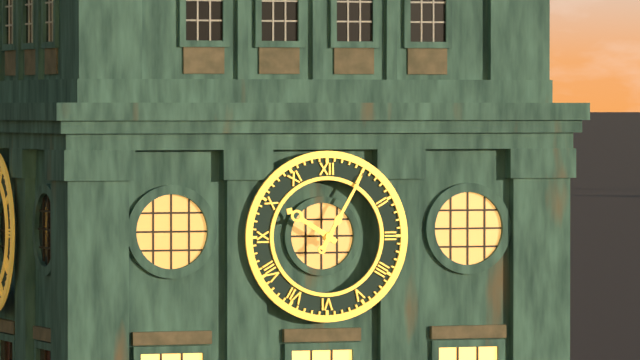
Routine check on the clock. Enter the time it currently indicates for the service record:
10:05
